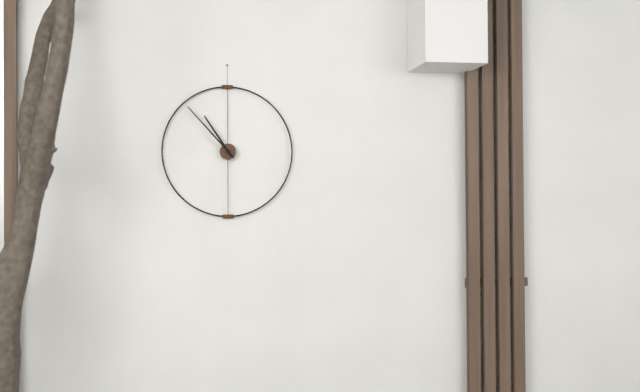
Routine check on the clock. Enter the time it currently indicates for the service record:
10:53
